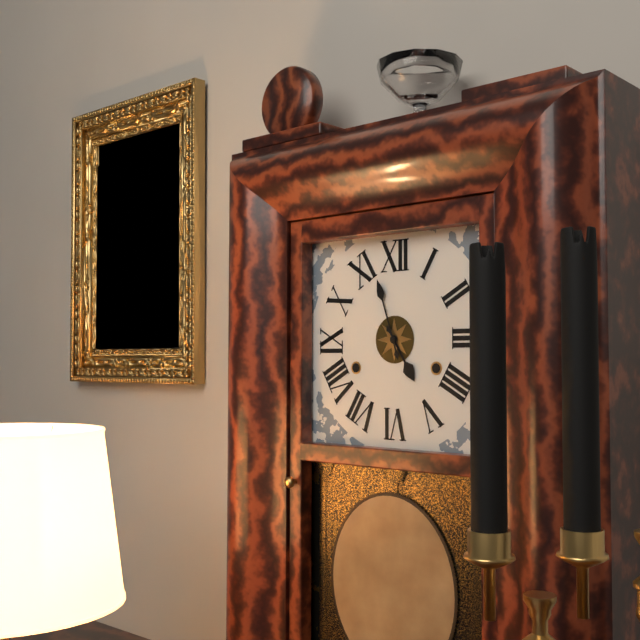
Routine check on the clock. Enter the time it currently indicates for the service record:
4:57
